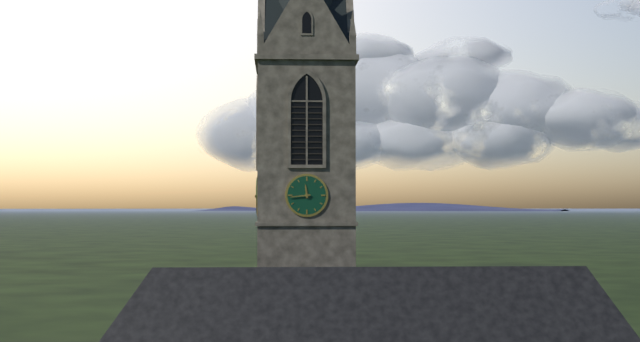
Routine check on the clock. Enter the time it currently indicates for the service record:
11:44
